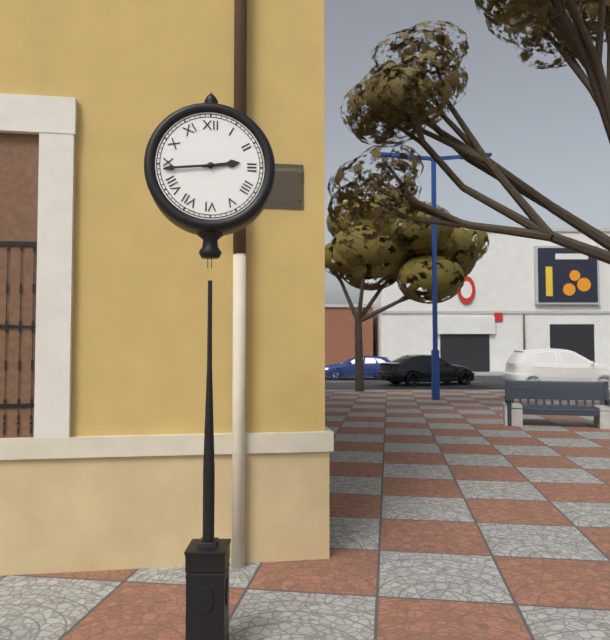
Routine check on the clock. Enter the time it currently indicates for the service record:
2:44
